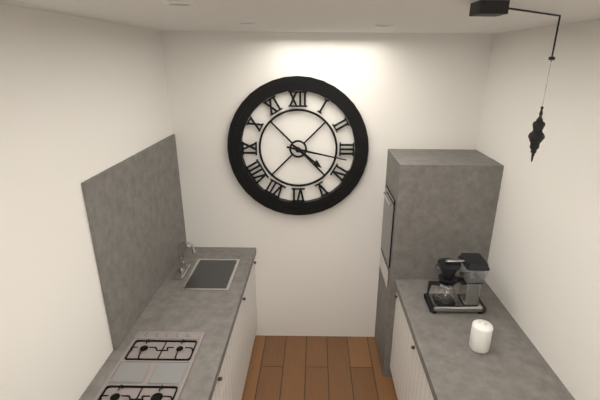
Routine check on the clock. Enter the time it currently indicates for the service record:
4:17
